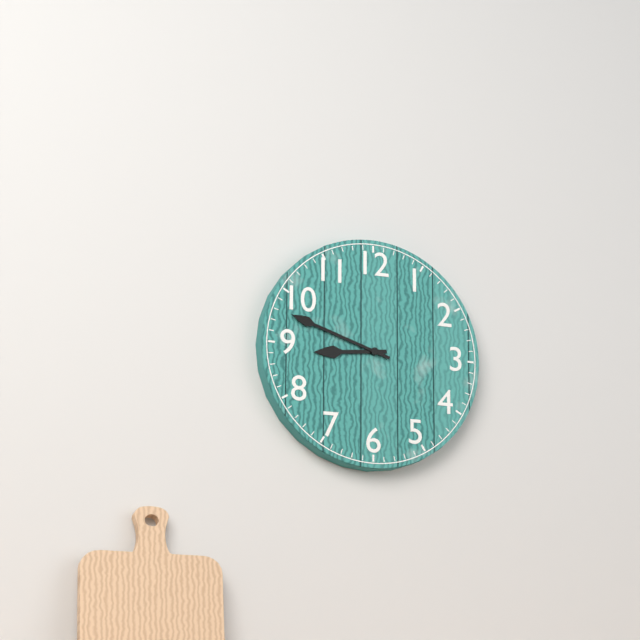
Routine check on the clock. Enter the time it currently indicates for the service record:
8:48
